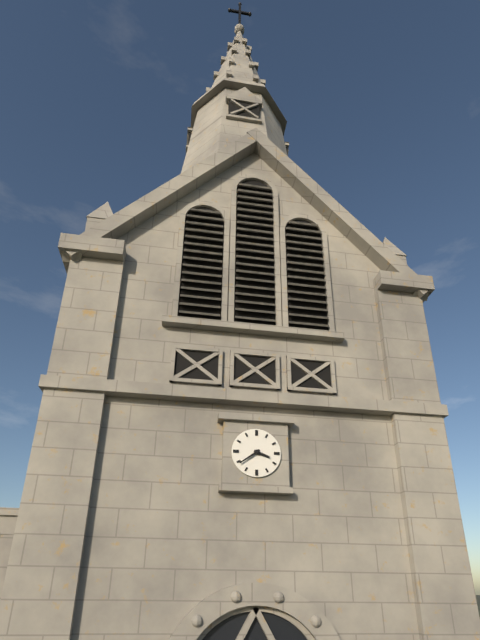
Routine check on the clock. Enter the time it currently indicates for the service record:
3:39
